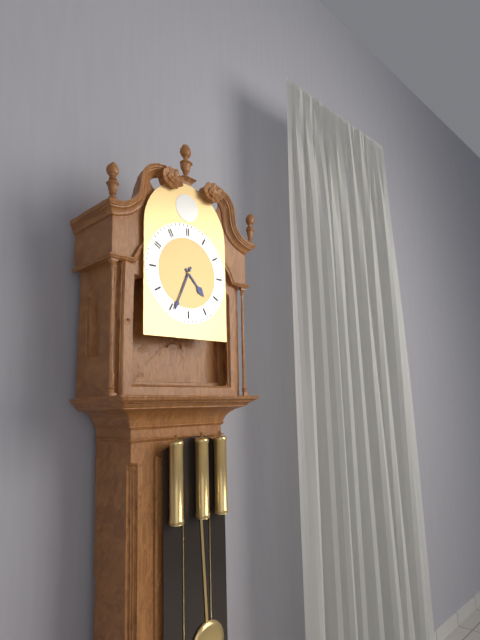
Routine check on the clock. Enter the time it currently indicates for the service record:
4:34
